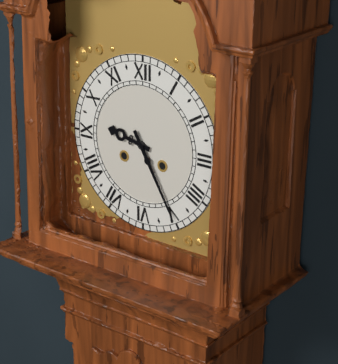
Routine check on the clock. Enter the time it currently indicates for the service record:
9:25
